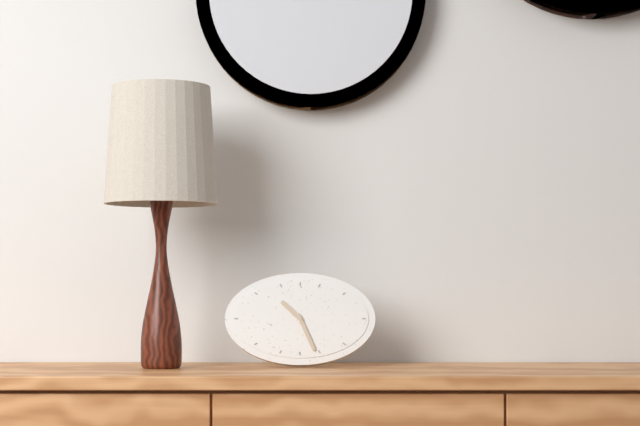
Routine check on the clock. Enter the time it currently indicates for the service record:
10:26
